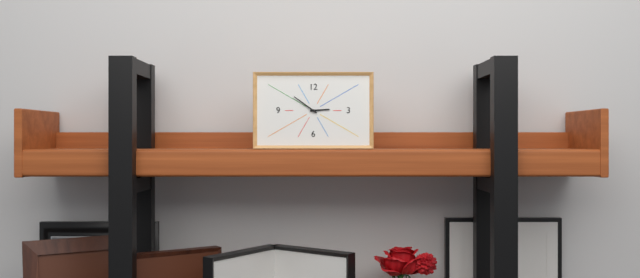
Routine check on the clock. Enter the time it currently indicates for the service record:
2:51
